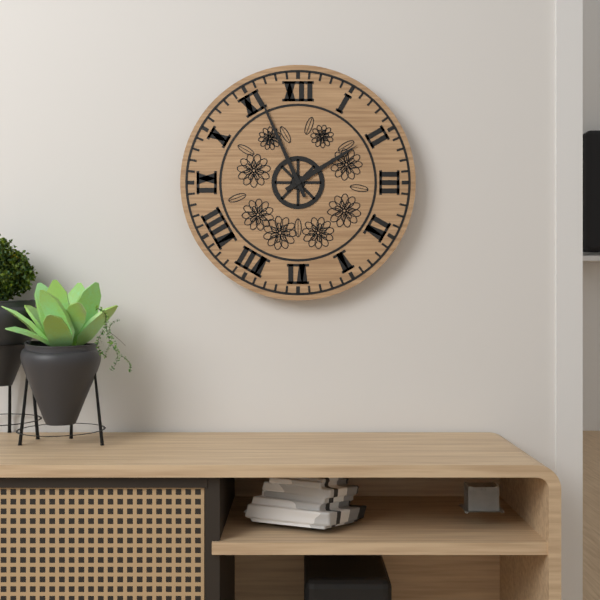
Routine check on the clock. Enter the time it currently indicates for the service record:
1:56
